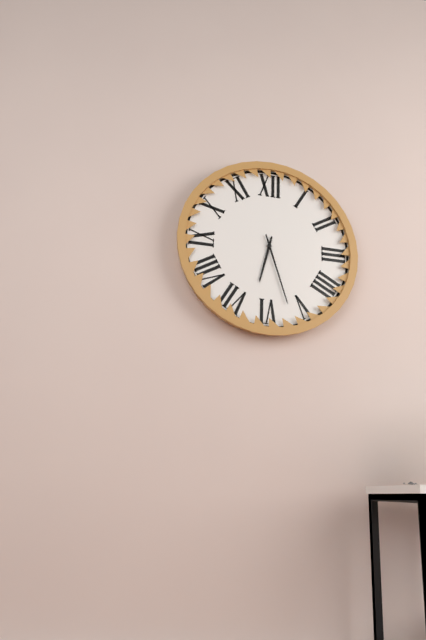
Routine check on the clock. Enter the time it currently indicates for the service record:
6:27
